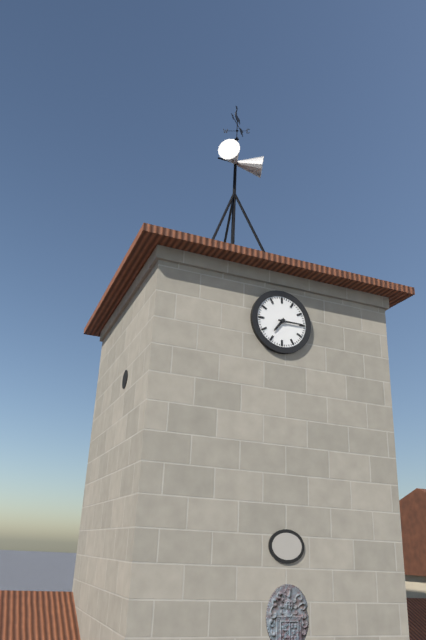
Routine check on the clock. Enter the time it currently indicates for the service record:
7:15
